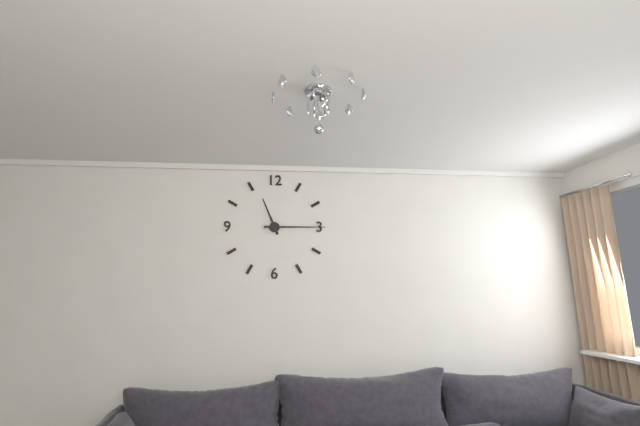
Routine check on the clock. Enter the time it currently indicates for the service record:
11:15
